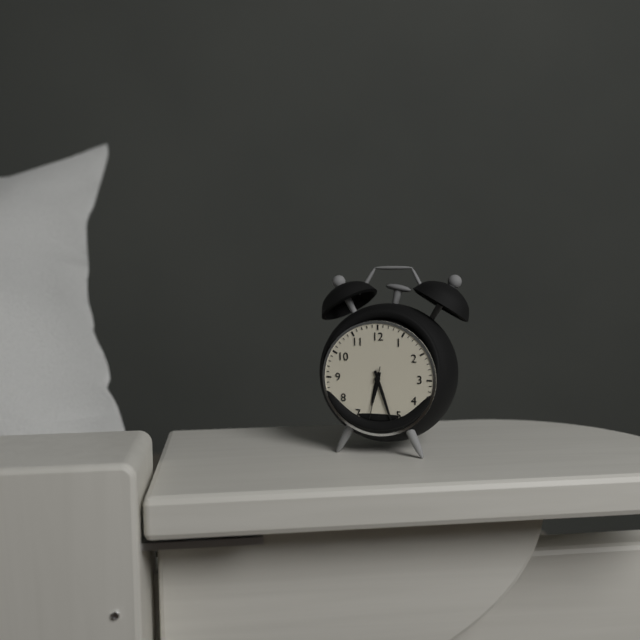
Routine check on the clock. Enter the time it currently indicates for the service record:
6:27:32
